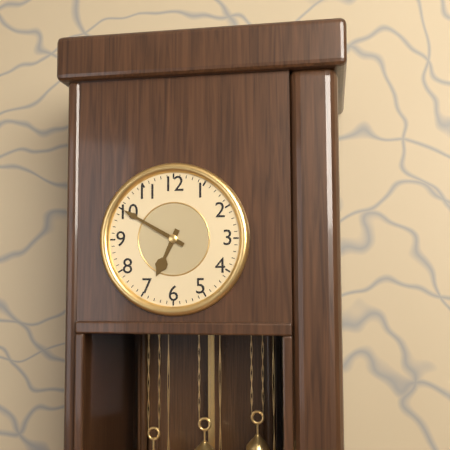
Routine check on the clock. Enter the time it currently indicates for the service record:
6:50
